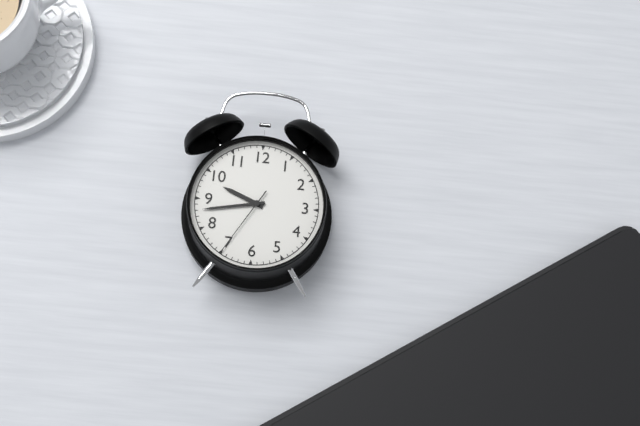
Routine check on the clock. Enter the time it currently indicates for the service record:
9:43:35
